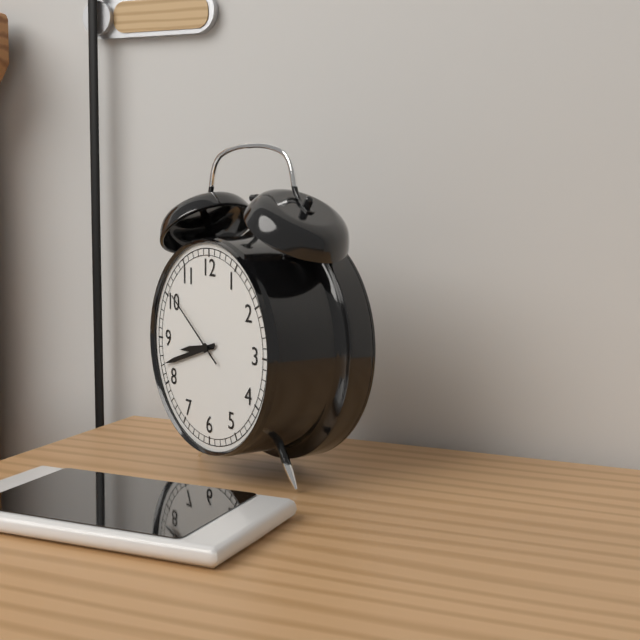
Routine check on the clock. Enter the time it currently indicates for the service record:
8:42:51
